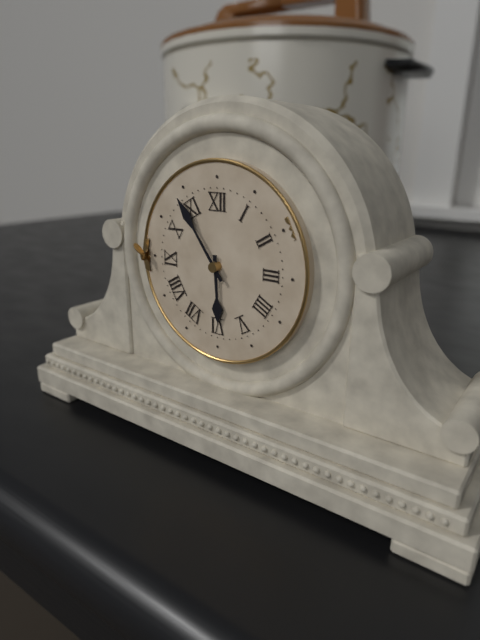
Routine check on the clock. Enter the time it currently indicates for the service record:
5:54
